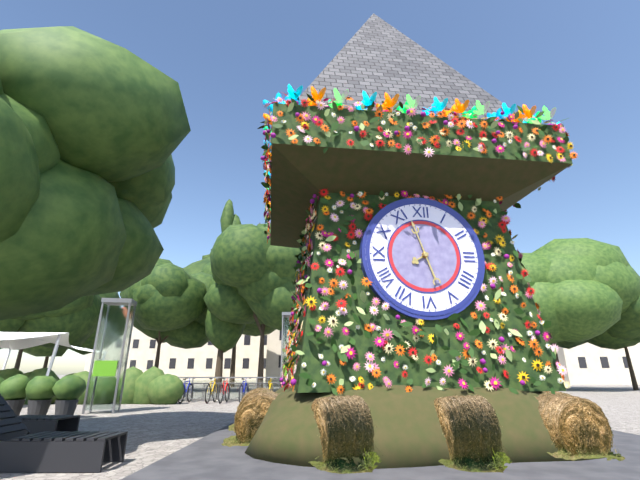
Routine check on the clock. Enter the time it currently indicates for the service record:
7:57
